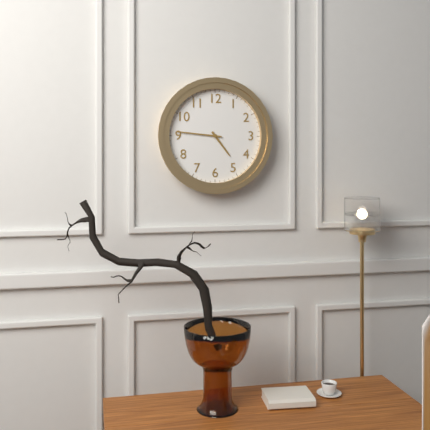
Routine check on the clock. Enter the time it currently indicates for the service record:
4:46
